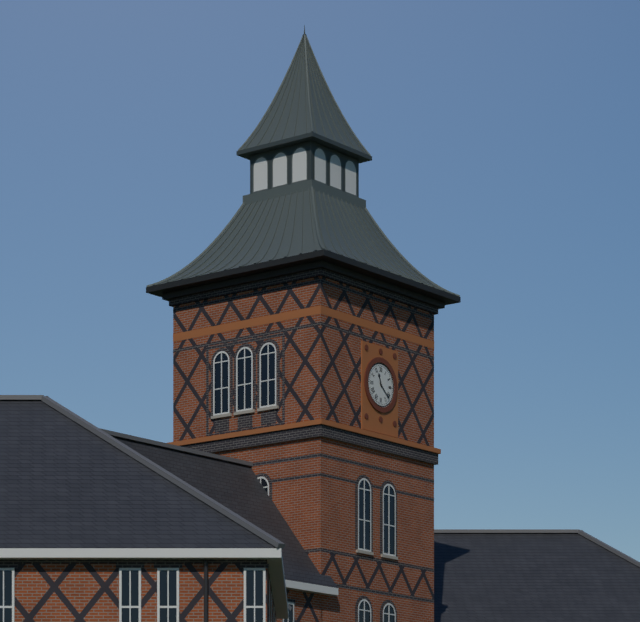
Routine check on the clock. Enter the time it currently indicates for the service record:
11:22
